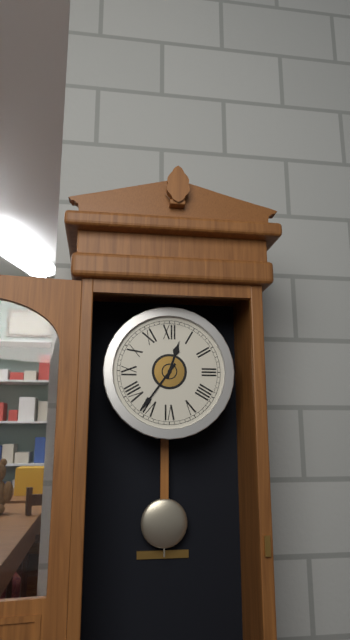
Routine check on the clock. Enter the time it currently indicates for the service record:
12:36
